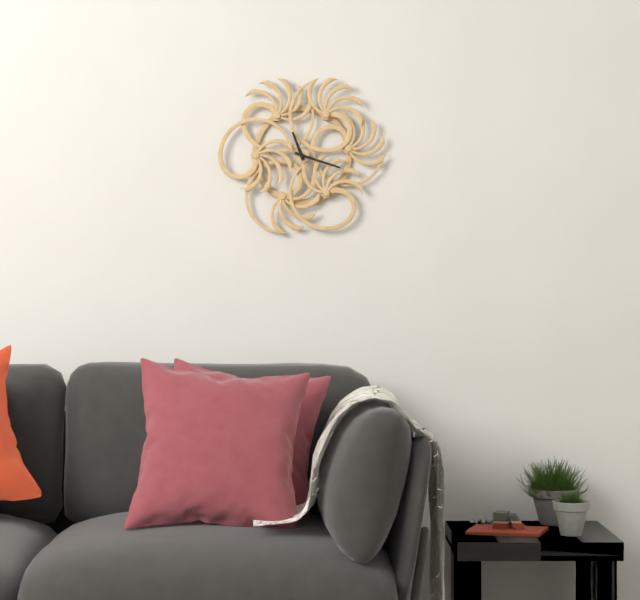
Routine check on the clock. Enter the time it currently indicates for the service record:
11:18
